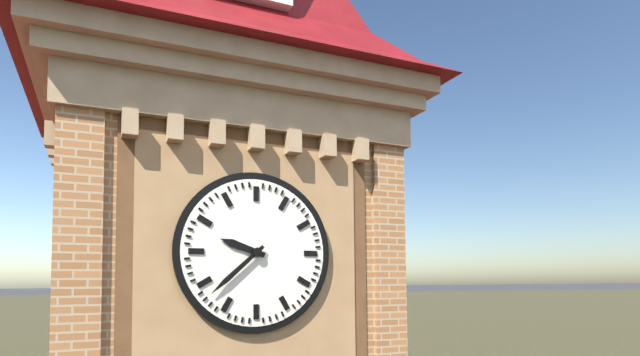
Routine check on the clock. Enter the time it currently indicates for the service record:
9:38
